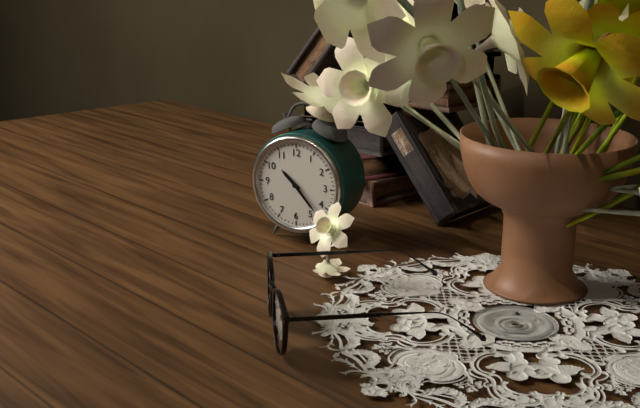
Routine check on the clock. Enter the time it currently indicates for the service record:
10:23
